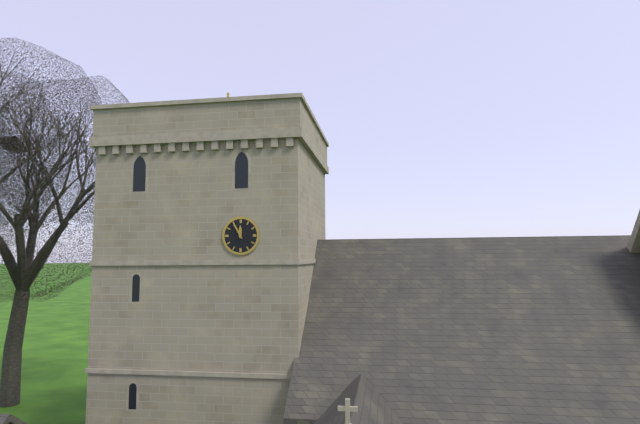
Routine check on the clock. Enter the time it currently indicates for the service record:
11:55
